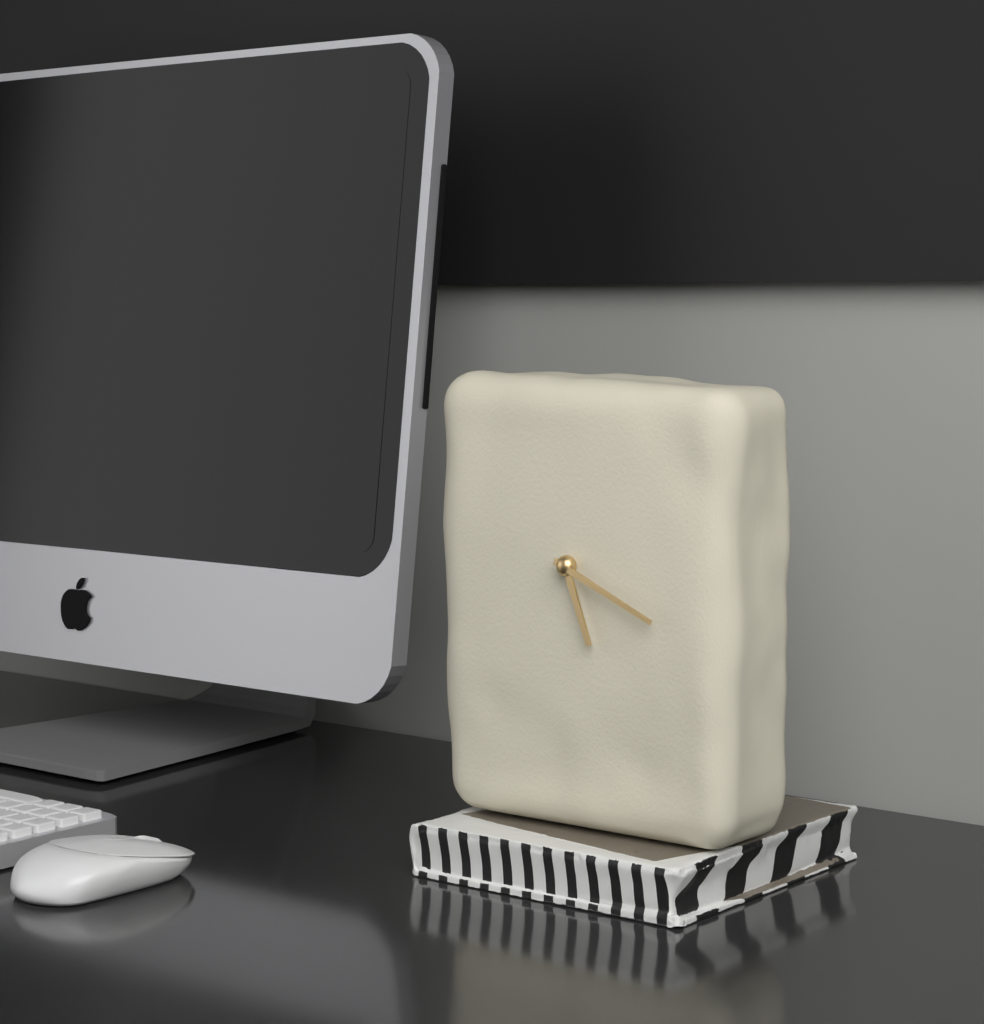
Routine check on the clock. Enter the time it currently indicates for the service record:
5:19
